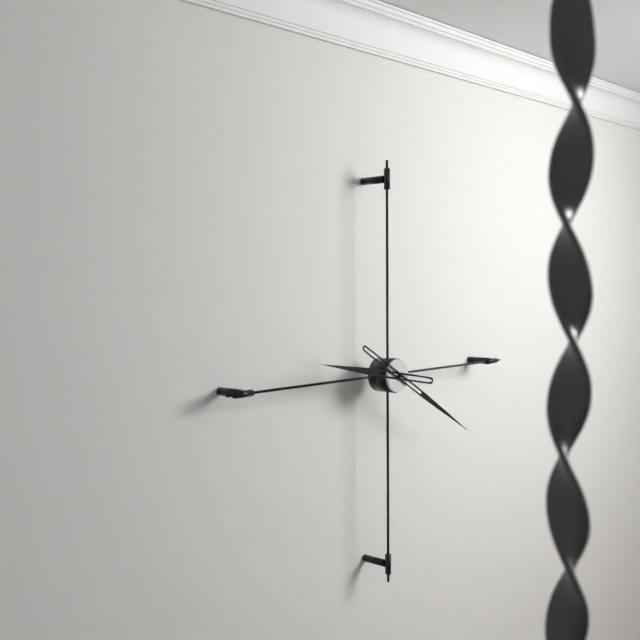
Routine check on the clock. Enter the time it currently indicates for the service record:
9:20
